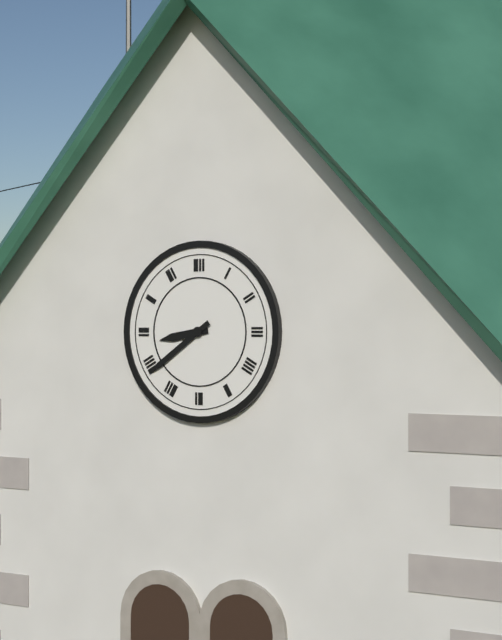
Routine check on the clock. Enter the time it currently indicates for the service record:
8:39
